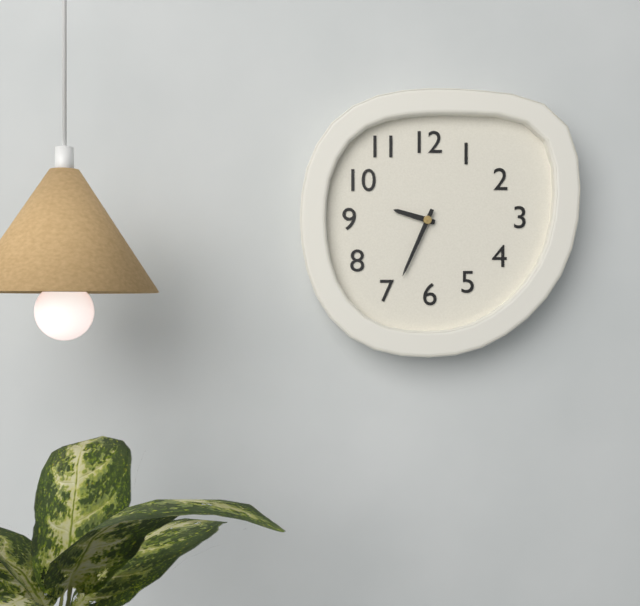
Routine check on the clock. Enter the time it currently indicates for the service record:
9:34
